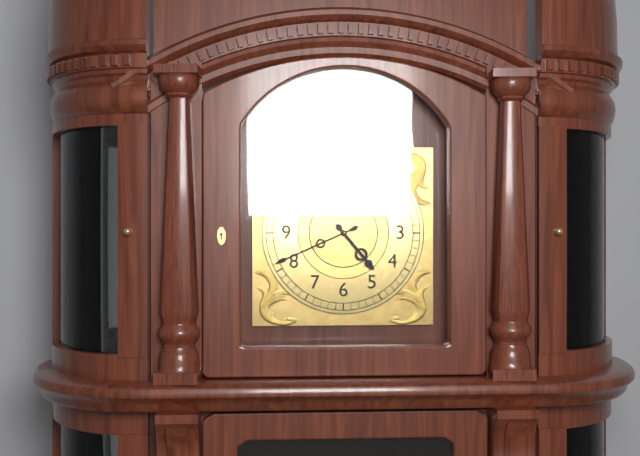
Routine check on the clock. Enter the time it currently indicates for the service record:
4:41
